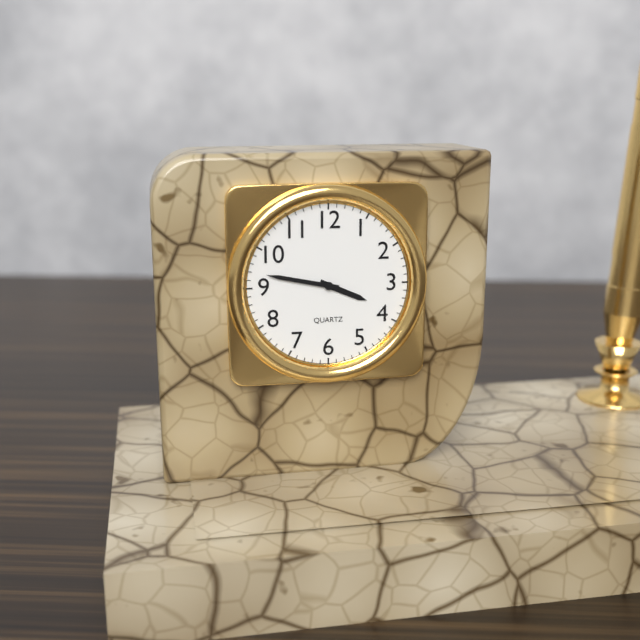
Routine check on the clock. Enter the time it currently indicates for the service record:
3:47
